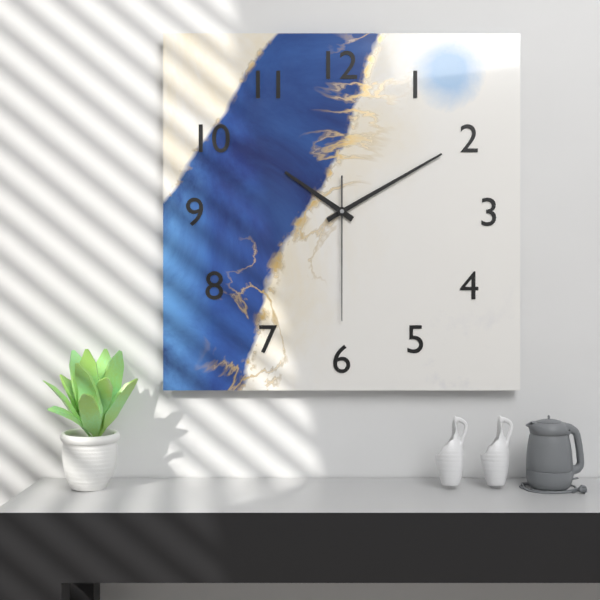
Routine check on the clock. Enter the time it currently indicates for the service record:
10:10:30
